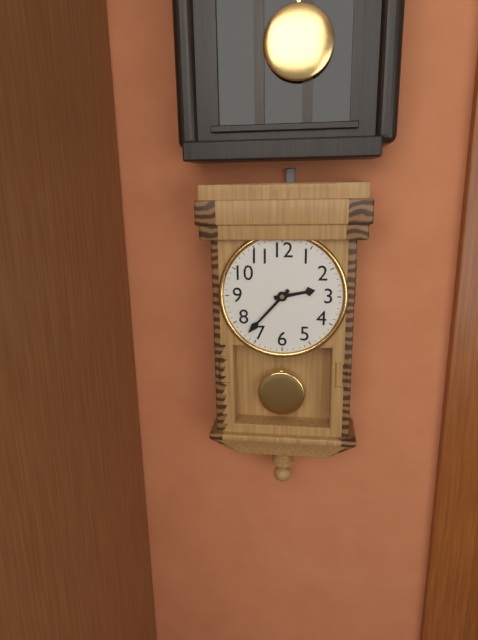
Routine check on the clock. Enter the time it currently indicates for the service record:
2:37
